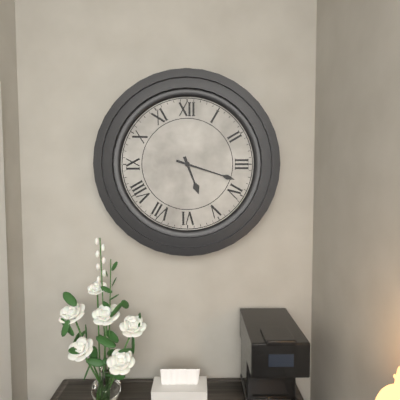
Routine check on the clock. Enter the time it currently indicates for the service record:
5:18
